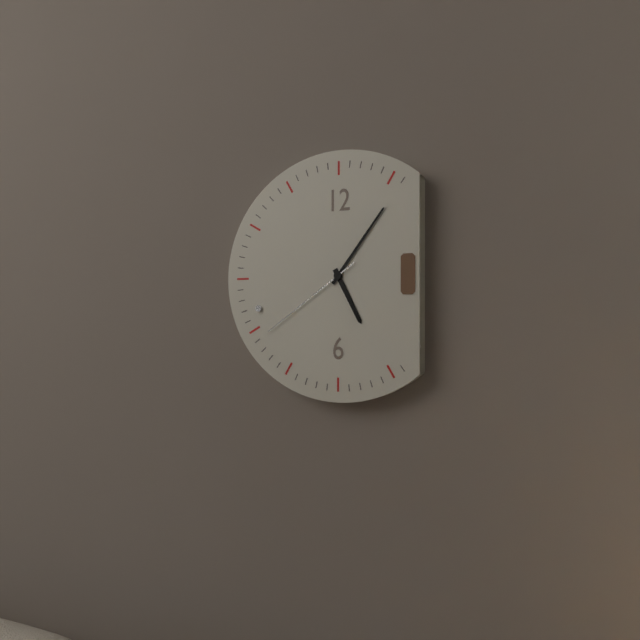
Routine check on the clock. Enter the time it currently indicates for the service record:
5:06:39
